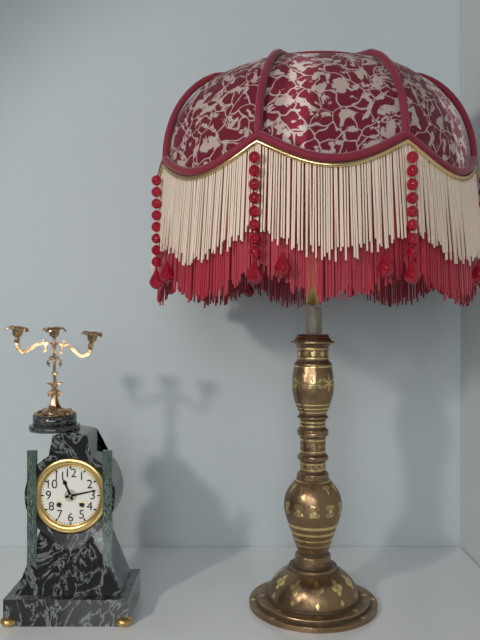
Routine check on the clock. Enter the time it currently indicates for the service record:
11:13
